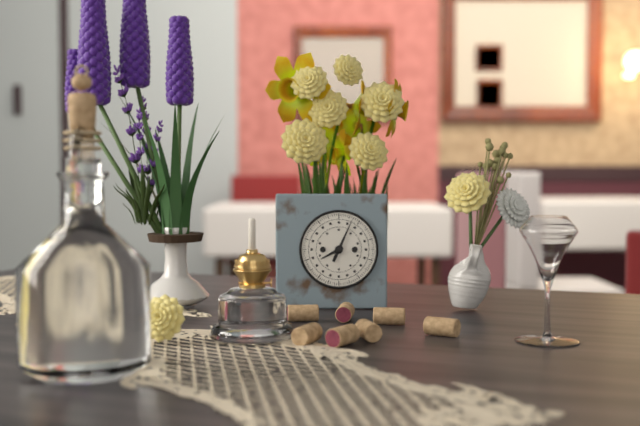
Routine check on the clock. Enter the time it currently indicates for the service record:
8:04
